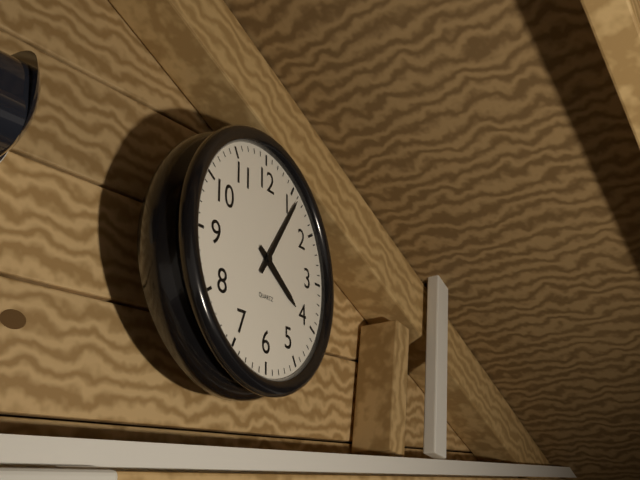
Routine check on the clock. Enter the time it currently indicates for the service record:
4:06
